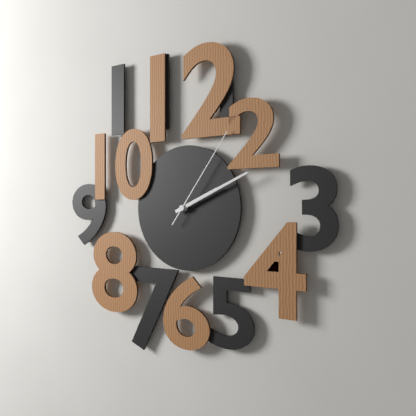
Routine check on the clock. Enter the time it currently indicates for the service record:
2:11:06
